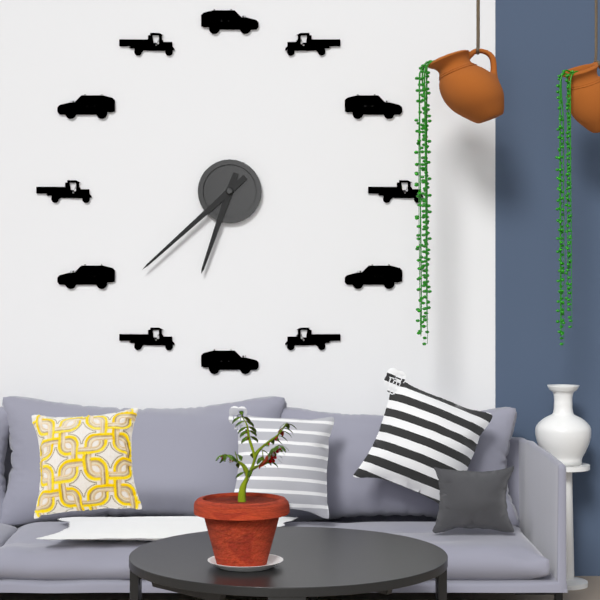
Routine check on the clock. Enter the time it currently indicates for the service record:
6:38
